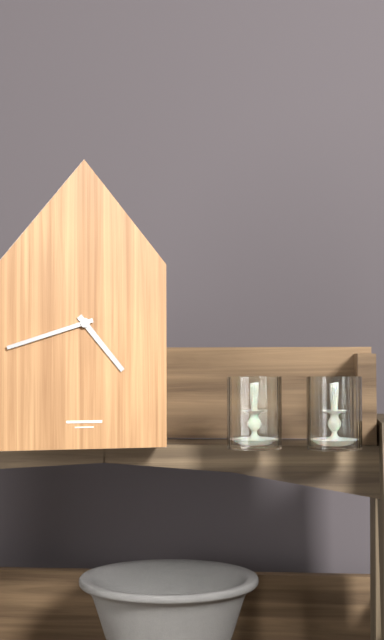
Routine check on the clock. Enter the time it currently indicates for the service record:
4:42
